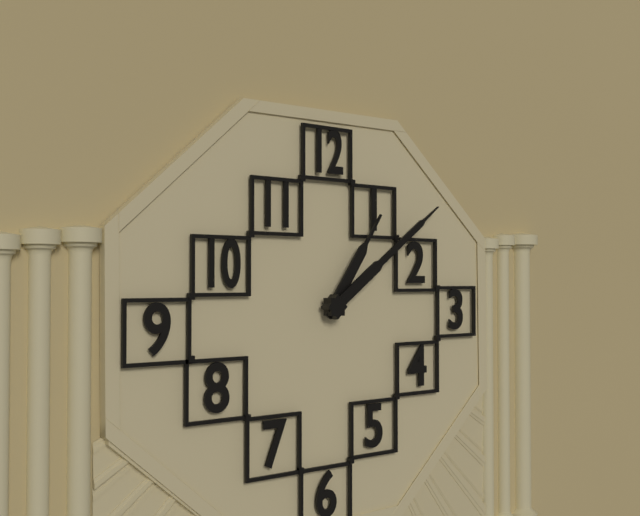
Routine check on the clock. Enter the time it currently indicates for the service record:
1:09
